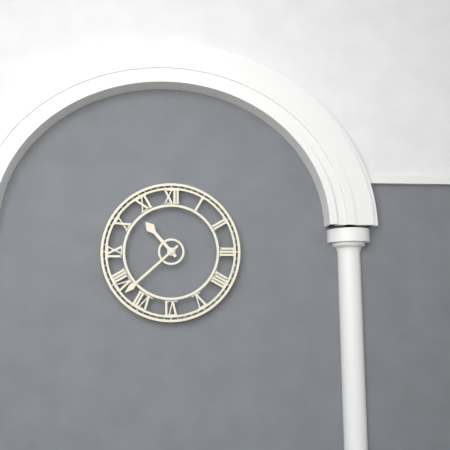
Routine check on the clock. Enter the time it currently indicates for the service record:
10:38
